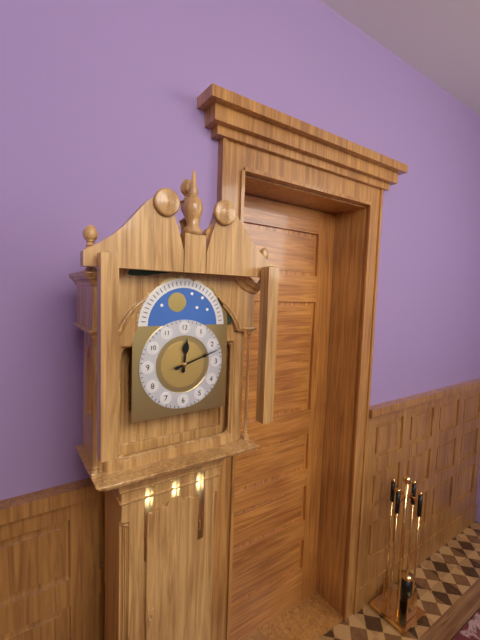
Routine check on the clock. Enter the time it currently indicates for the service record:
12:12
